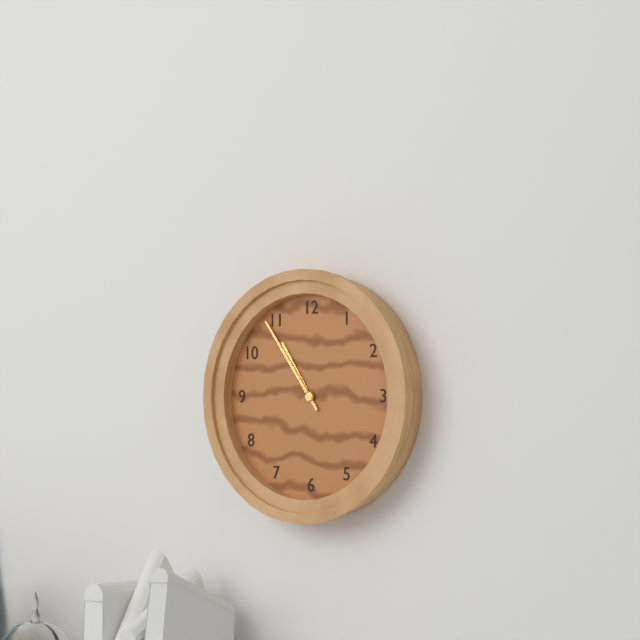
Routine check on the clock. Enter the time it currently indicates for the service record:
10:54
